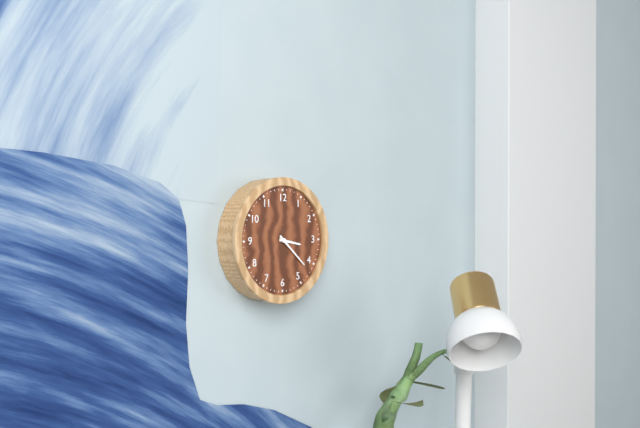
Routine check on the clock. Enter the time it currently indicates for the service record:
3:22
